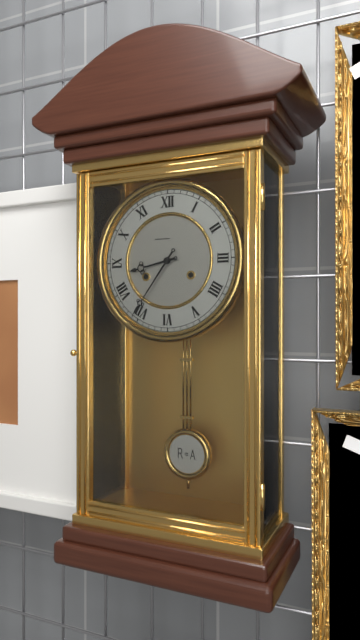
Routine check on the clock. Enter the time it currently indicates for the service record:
8:36
